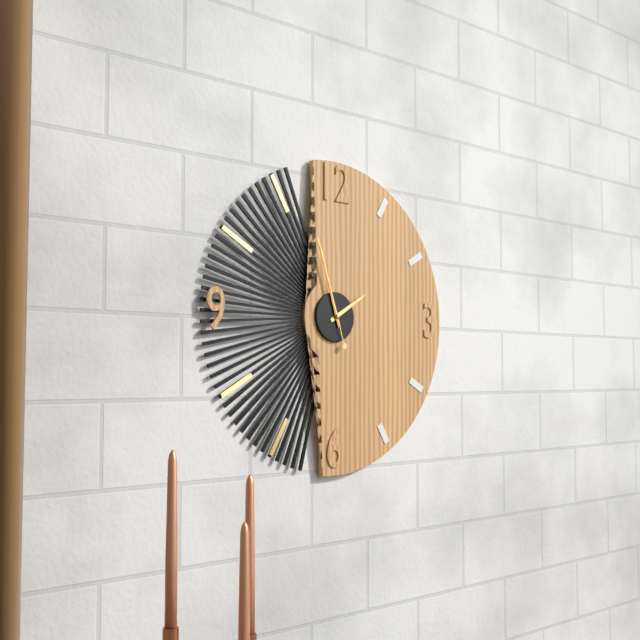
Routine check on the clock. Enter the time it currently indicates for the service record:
1:57:57
